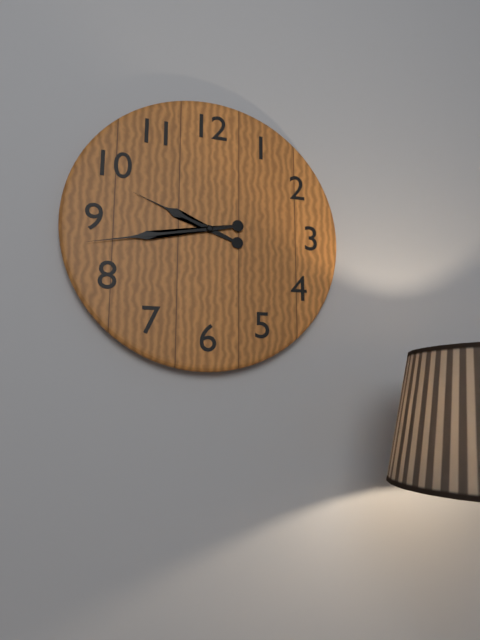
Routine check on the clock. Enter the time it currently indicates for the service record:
9:43
